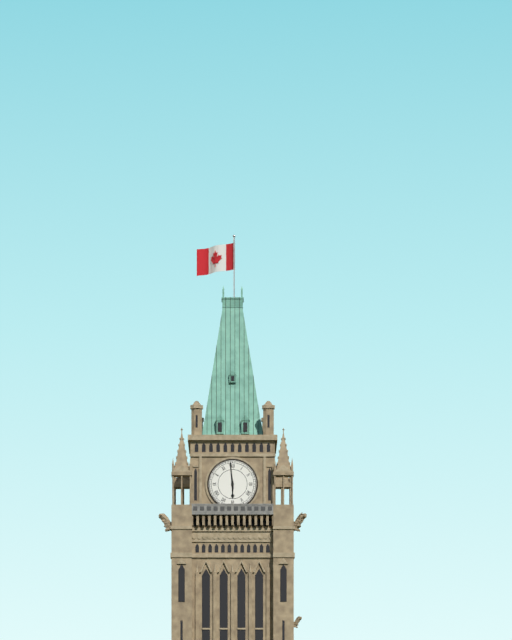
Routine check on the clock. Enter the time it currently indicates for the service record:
5:59
